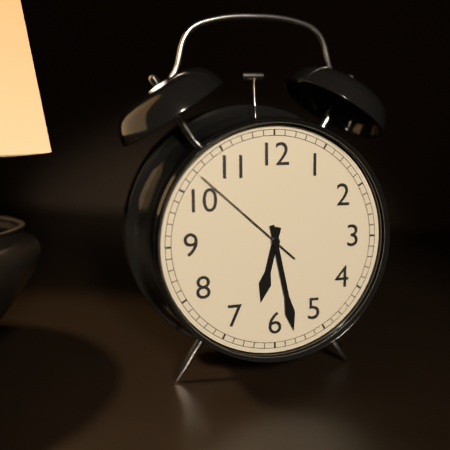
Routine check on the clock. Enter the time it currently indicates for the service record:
6:28:52
